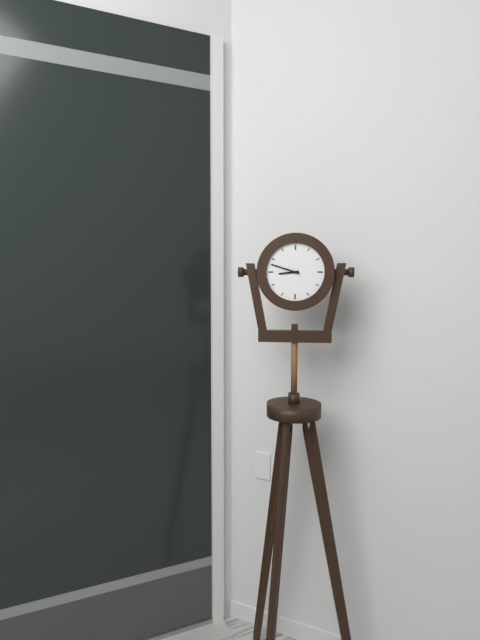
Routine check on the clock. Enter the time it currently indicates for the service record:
8:48
